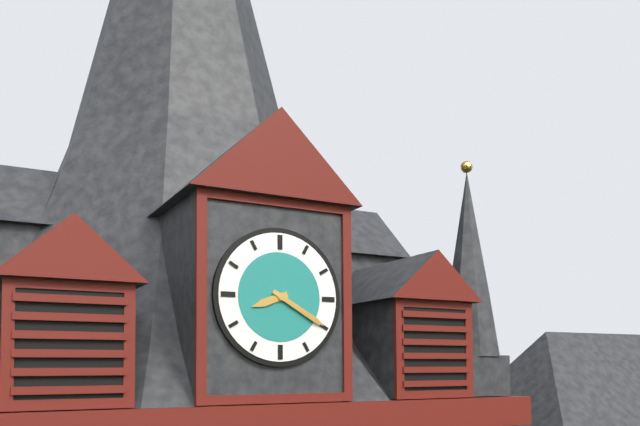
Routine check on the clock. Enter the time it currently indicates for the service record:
8:20
